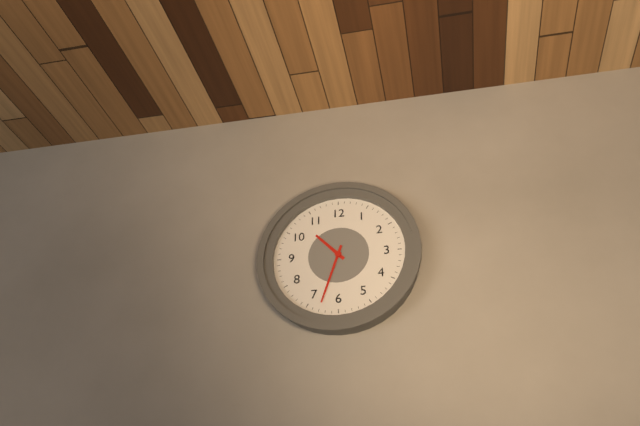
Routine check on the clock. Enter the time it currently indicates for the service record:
10:33
